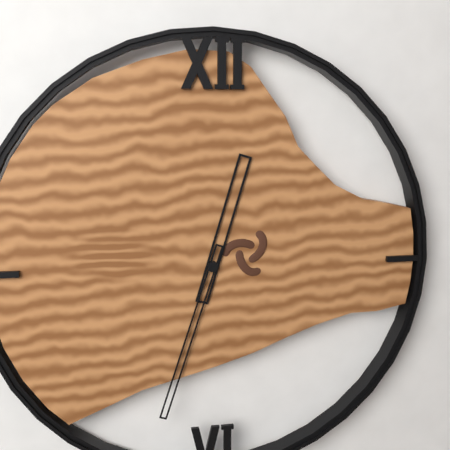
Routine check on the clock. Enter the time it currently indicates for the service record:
12:33
